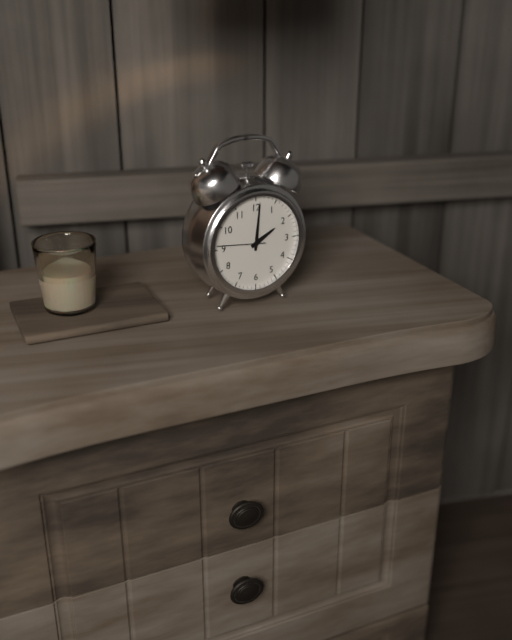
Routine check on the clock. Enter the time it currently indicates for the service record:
2:01
